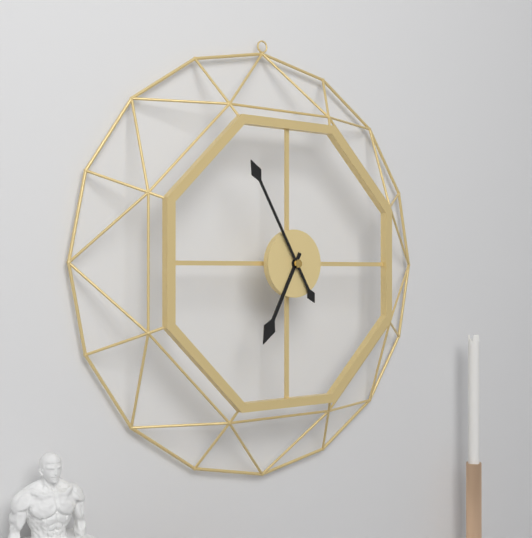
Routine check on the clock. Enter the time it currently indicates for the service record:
6:55
